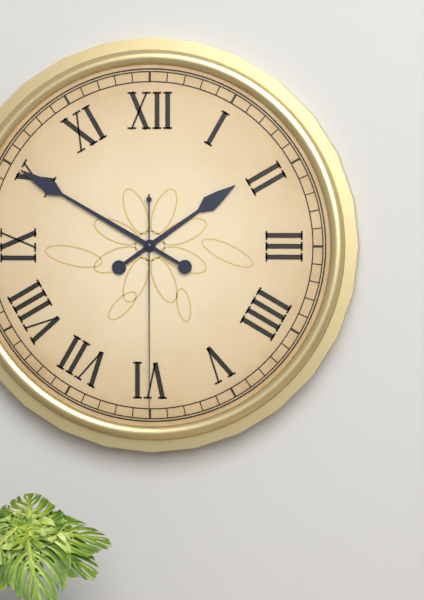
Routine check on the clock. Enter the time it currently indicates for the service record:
1:50:30
